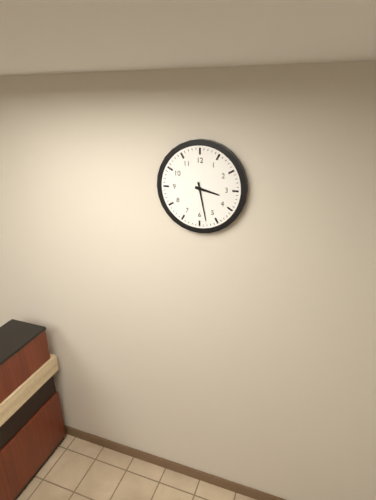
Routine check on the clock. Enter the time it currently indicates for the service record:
3:28
